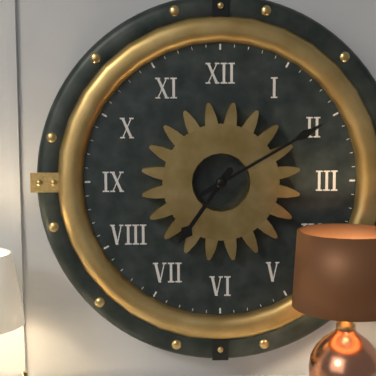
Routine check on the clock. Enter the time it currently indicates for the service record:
7:10
